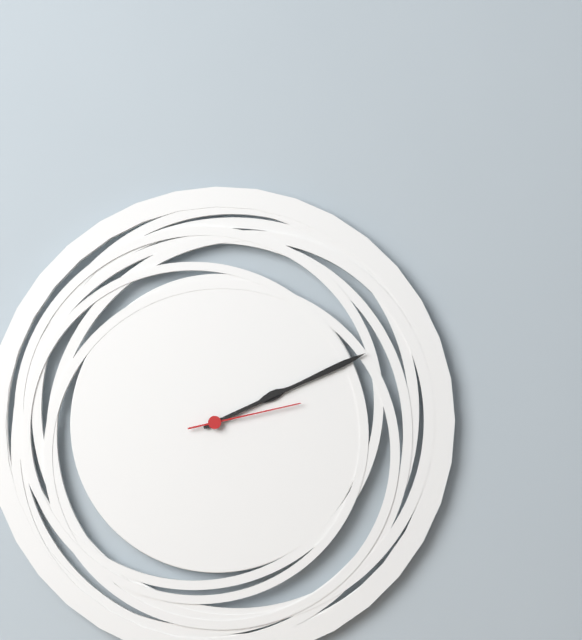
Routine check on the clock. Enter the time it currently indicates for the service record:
2:11:13
